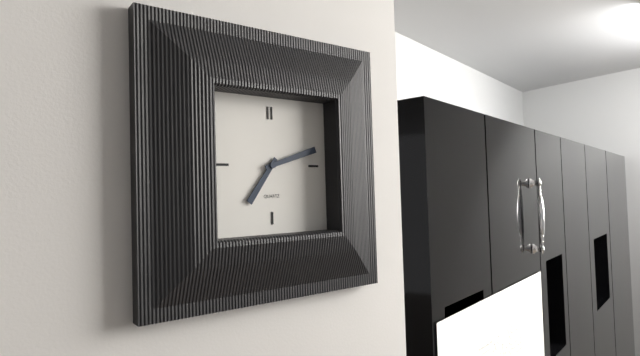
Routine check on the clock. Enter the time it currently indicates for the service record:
7:12
